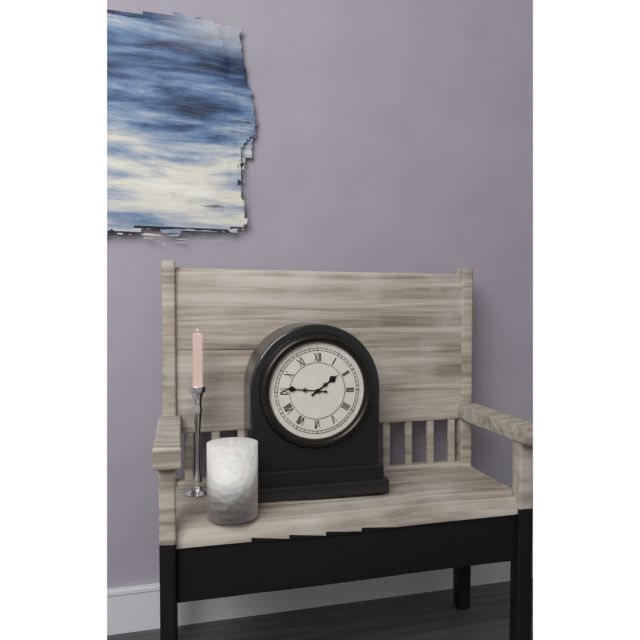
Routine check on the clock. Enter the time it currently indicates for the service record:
1:46
